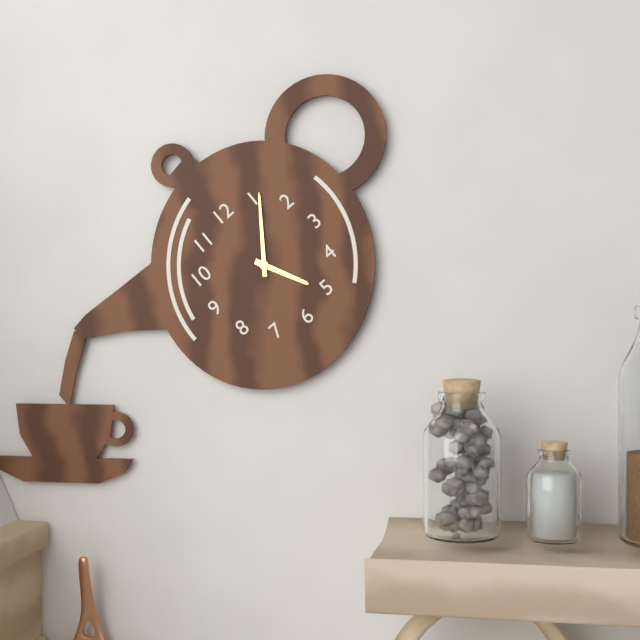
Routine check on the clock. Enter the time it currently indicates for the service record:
5:06
